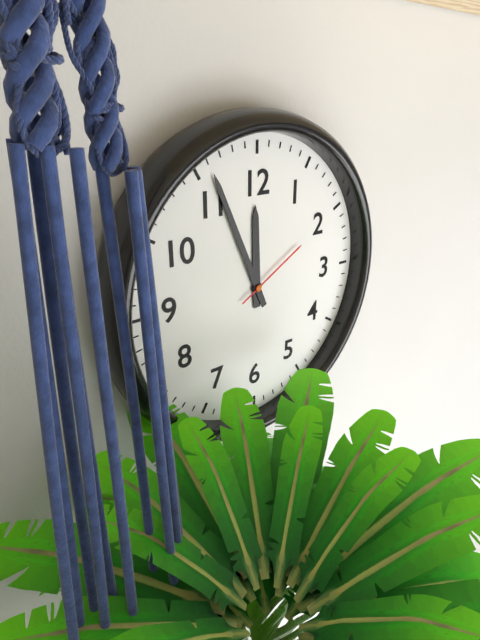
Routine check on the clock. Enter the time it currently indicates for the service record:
11:56:10
